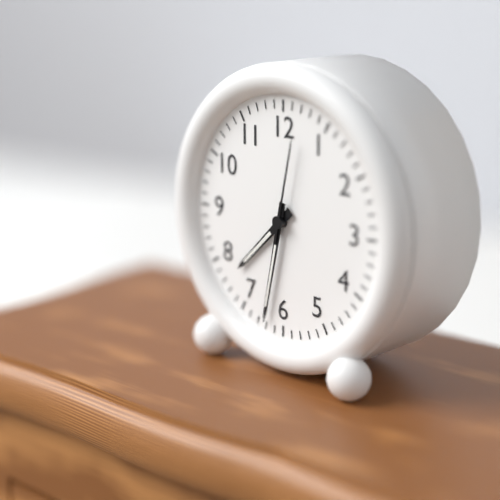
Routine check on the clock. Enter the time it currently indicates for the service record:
7:32:02
